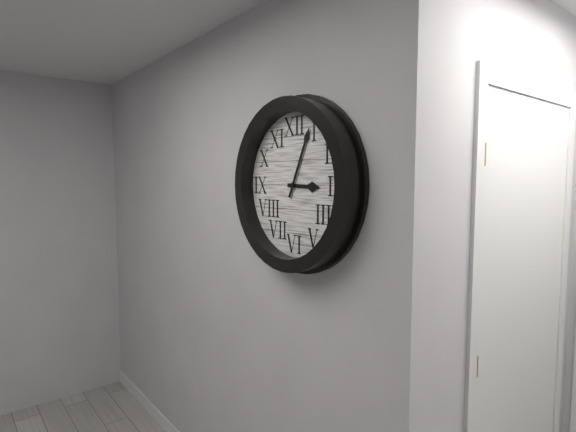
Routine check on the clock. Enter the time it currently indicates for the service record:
3:04
